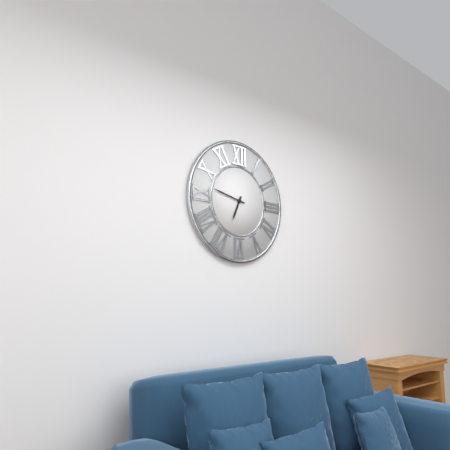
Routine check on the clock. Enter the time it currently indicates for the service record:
6:47
